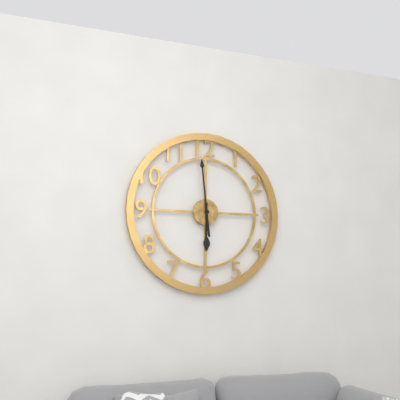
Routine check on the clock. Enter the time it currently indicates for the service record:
5:59
